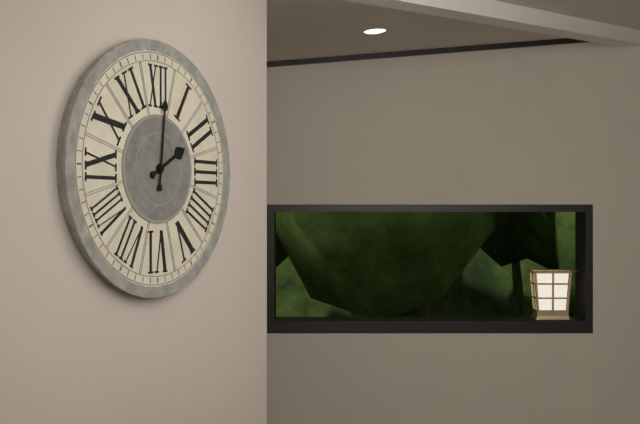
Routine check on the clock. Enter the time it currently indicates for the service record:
2:01
